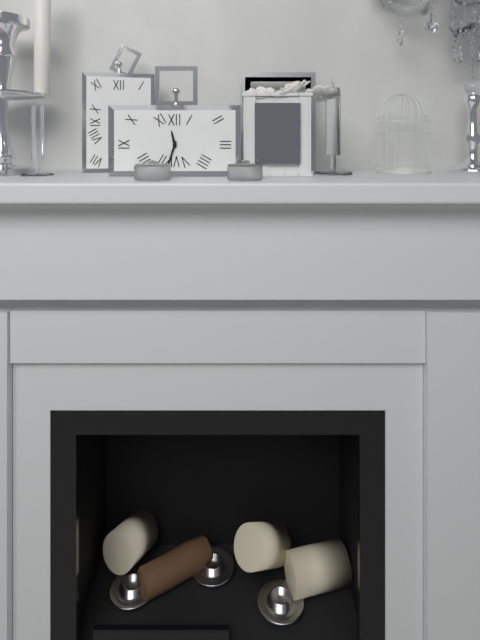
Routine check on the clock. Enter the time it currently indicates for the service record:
11:33
